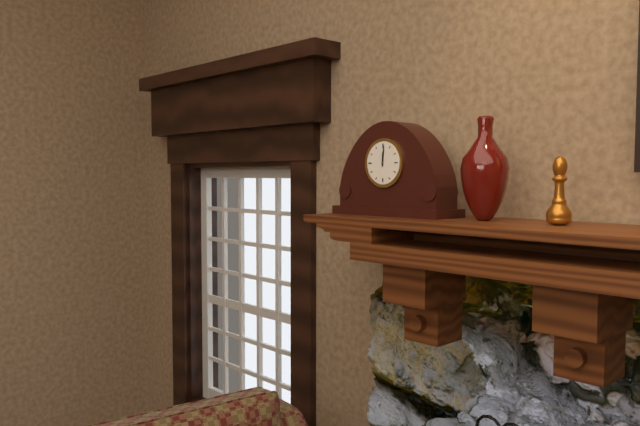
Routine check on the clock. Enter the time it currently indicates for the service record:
12:01
